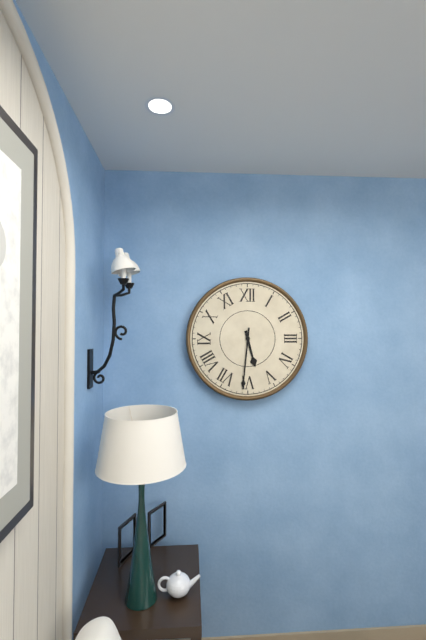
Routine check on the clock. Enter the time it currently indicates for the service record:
5:31
